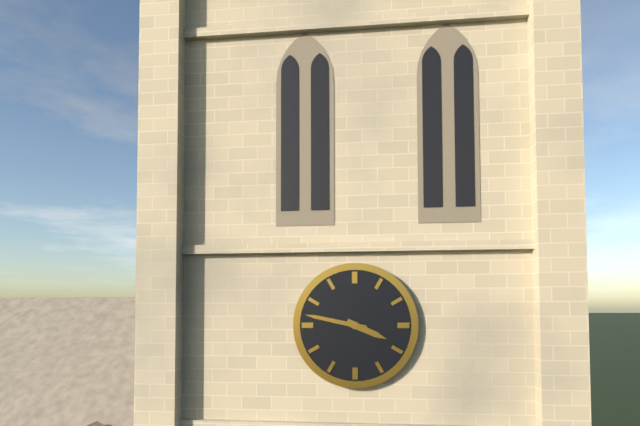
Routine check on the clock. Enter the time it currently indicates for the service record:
3:47
